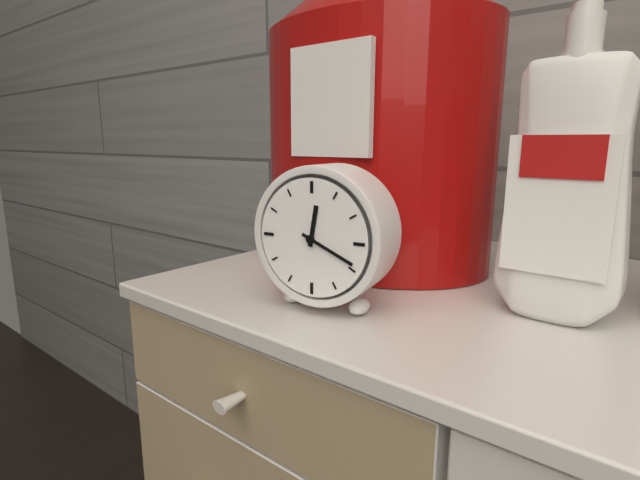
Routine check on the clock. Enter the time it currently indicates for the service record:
12:19
